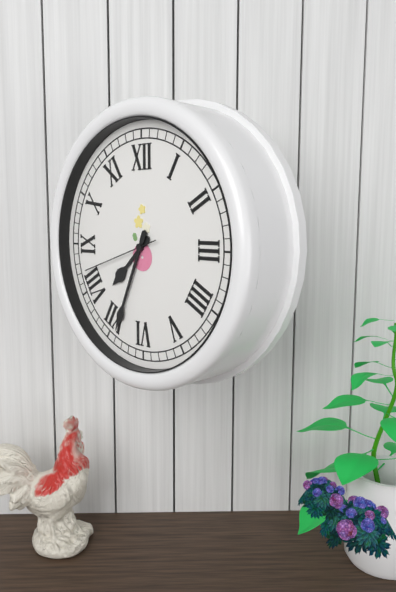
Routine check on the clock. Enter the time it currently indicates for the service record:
7:34:42
